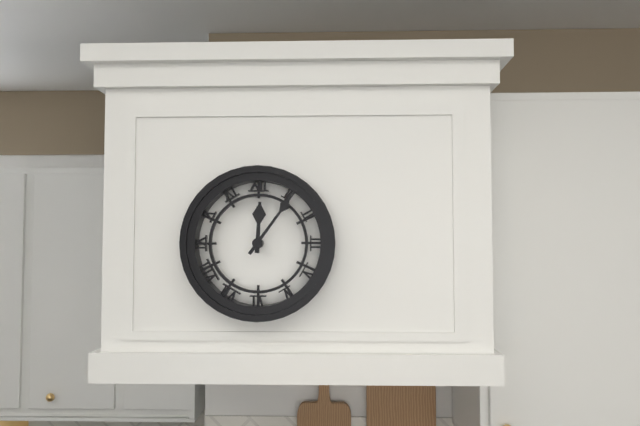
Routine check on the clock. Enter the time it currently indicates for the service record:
12:06
